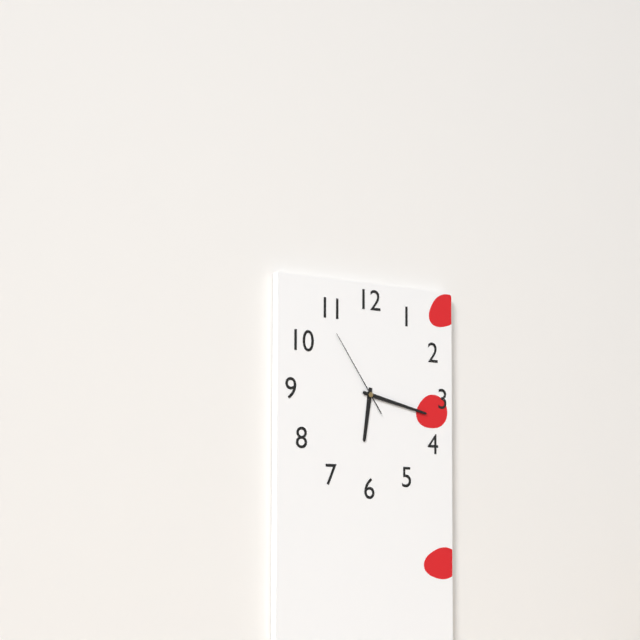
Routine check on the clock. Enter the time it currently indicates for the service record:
6:17:54
